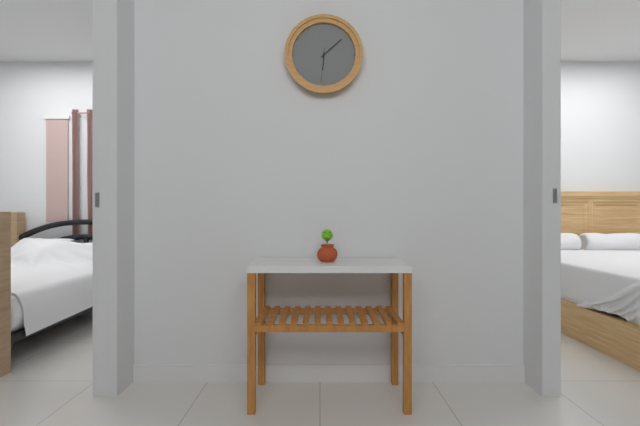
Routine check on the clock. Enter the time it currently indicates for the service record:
6:08
